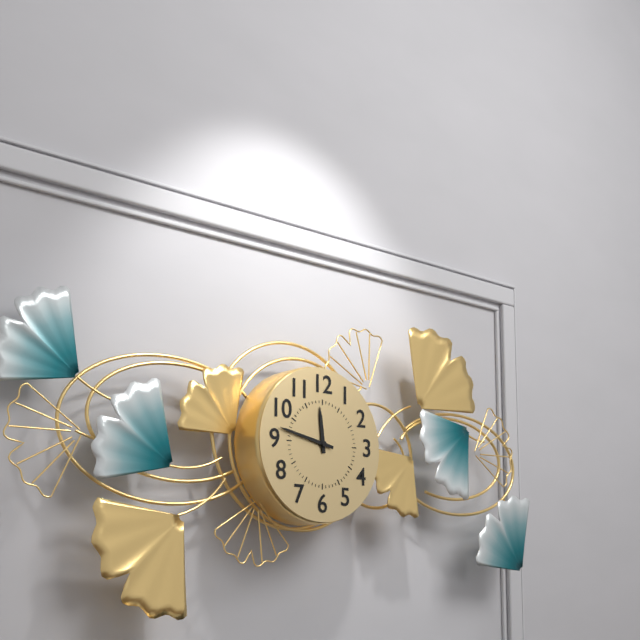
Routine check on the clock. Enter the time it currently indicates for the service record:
11:47
